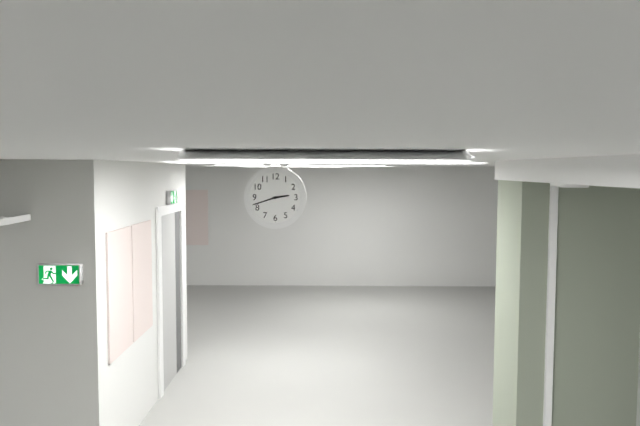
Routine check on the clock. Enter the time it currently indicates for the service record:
2:42
